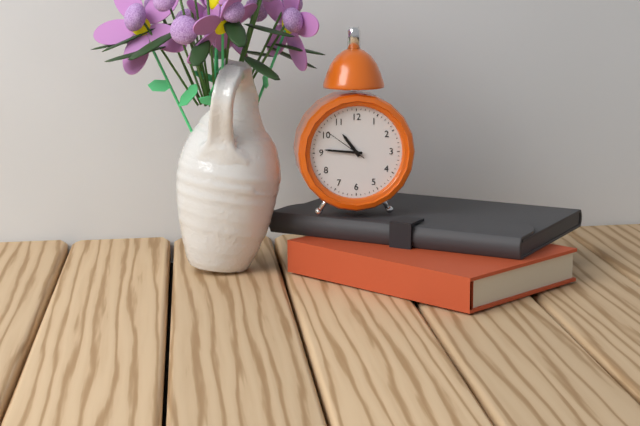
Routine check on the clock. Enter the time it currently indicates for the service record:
10:46
